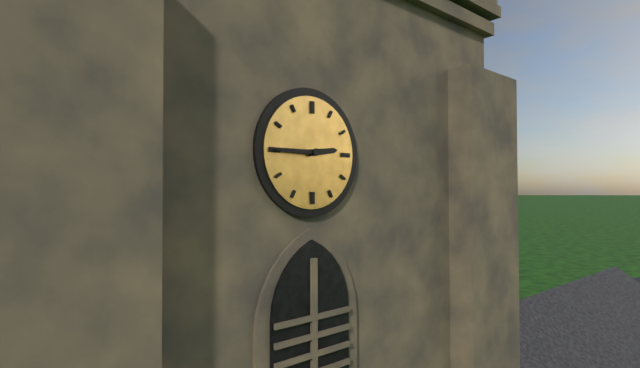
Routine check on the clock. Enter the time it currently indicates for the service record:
2:45
